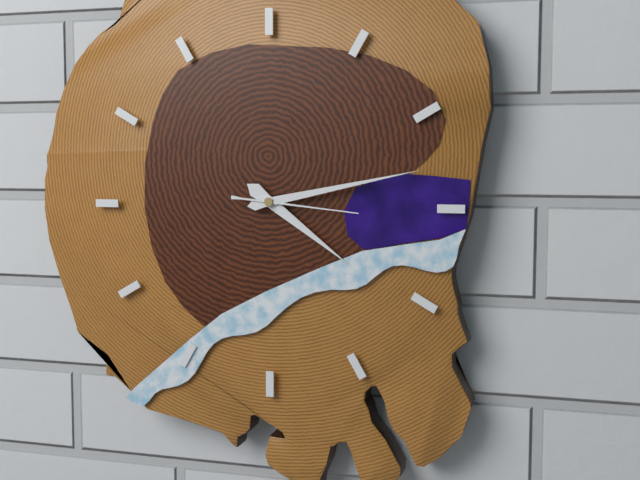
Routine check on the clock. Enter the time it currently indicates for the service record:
4:13:16
